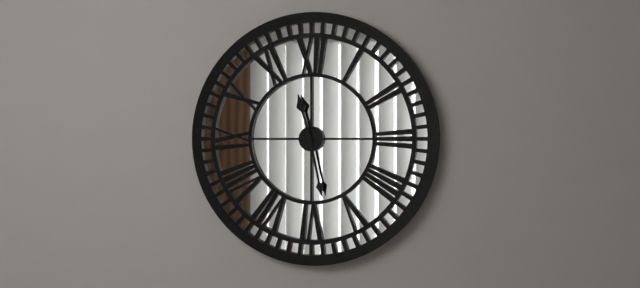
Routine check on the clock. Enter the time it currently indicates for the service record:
11:28
